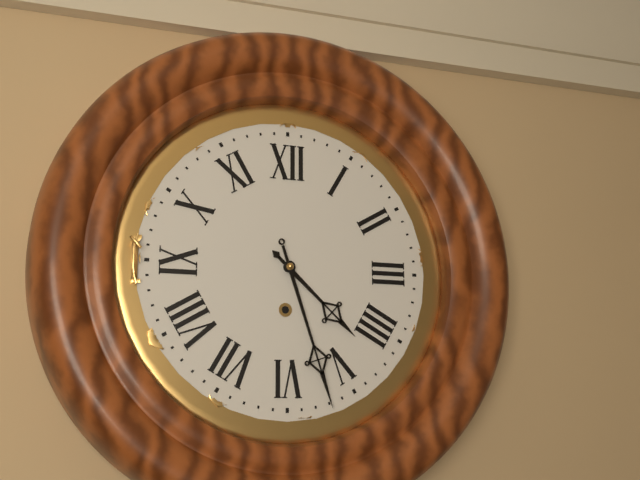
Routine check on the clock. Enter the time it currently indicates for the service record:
4:27
